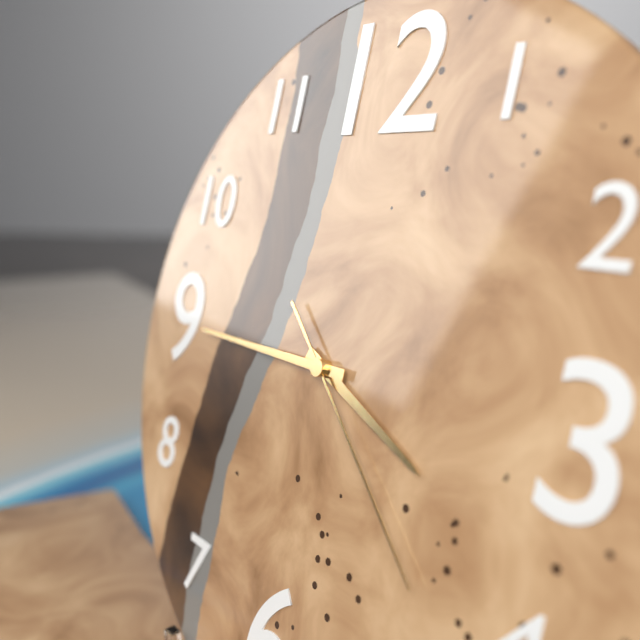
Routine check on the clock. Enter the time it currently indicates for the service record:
3:45:22
